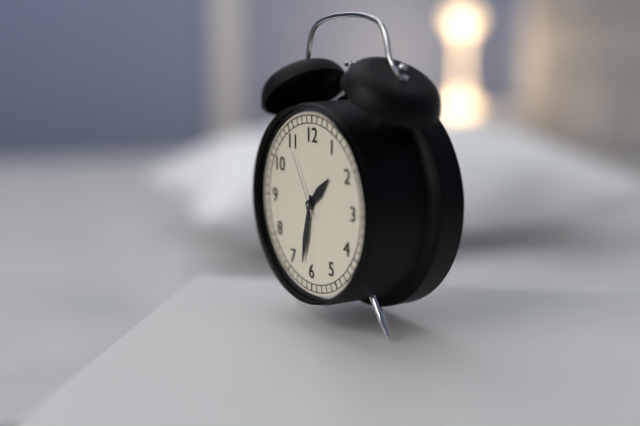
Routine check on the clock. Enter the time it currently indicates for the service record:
1:32:55
